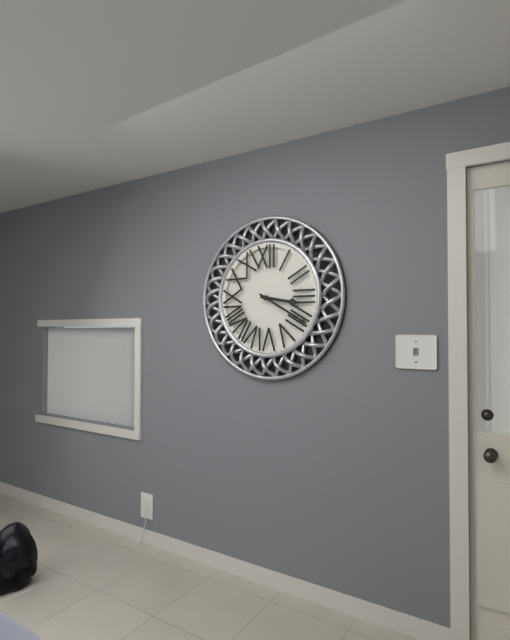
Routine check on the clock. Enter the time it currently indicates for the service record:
3:20
